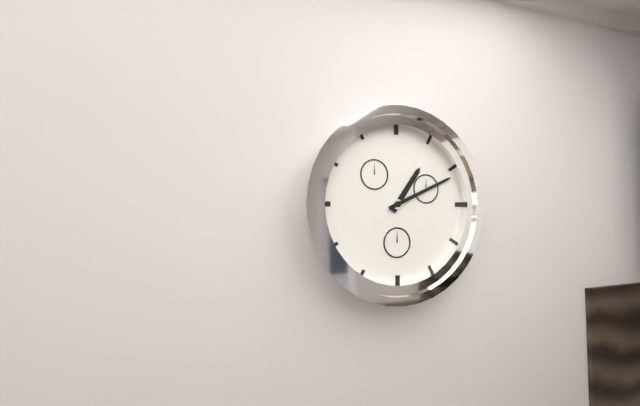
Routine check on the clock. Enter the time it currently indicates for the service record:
1:11
